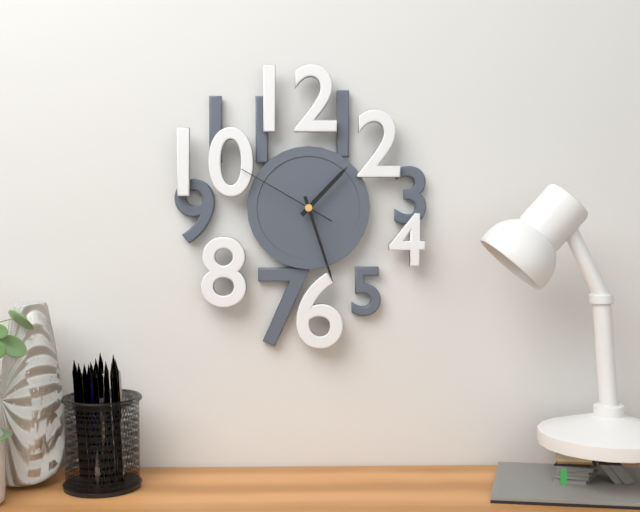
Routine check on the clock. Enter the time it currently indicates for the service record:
1:27:50
